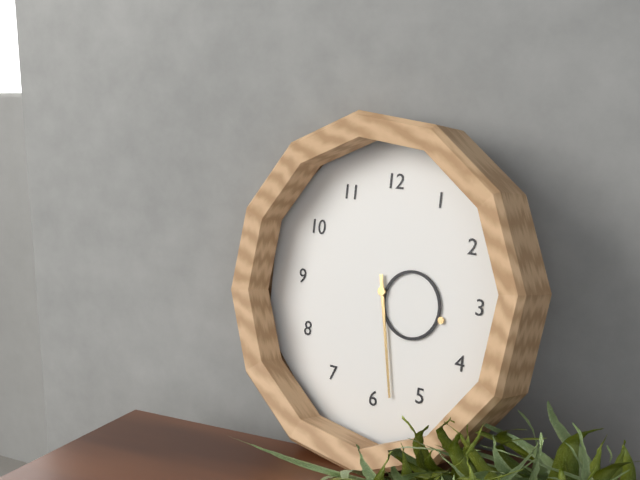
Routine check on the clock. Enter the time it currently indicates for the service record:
3:28
